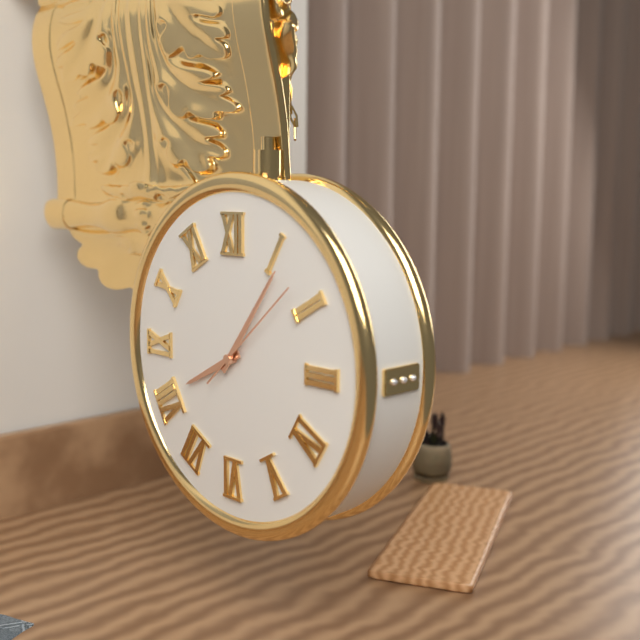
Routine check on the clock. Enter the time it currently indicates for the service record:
8:06:08
